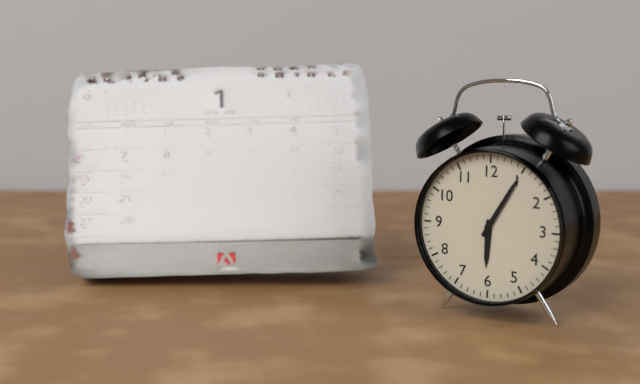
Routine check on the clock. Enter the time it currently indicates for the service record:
6:05
